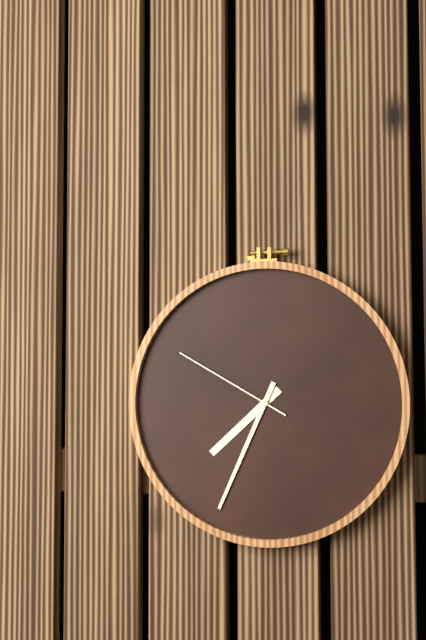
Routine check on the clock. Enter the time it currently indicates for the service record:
7:34:50
